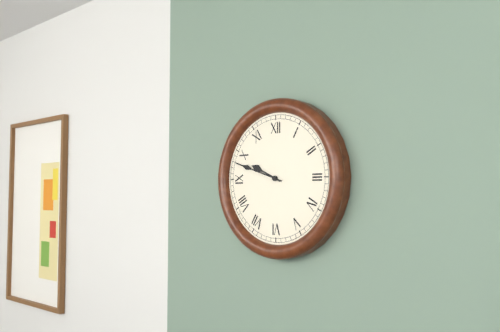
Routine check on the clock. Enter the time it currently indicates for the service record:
9:48
